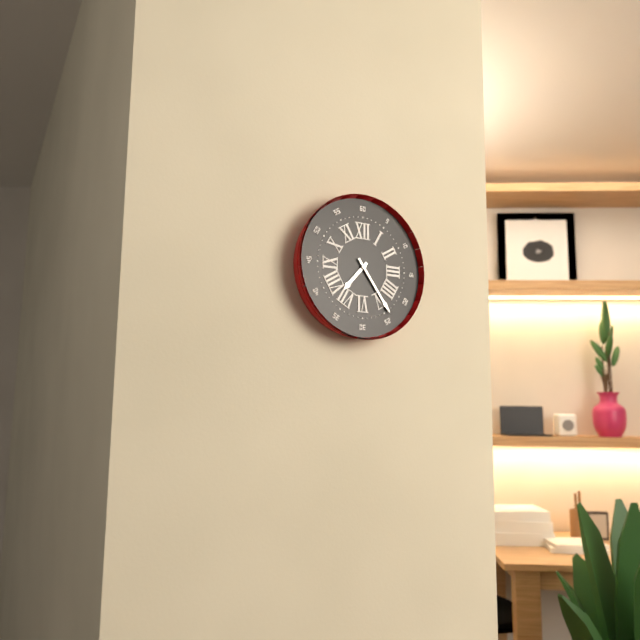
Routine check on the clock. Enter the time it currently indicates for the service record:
7:24
